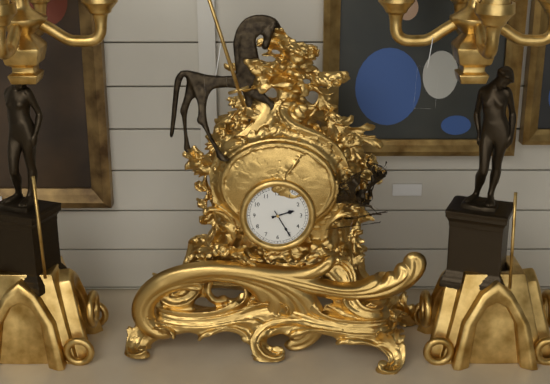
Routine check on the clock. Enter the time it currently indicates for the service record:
2:25
